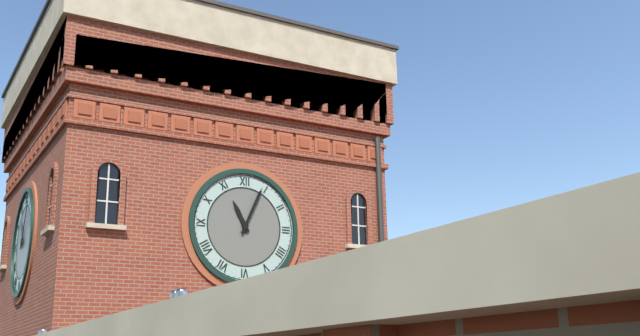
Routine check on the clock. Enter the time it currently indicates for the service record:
11:04
